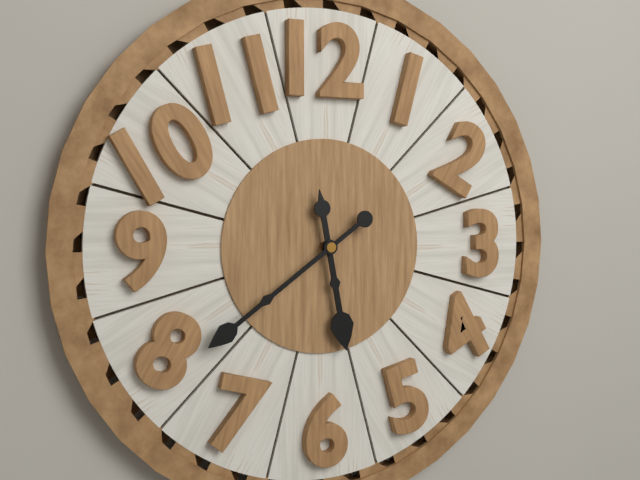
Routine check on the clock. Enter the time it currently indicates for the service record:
5:39
